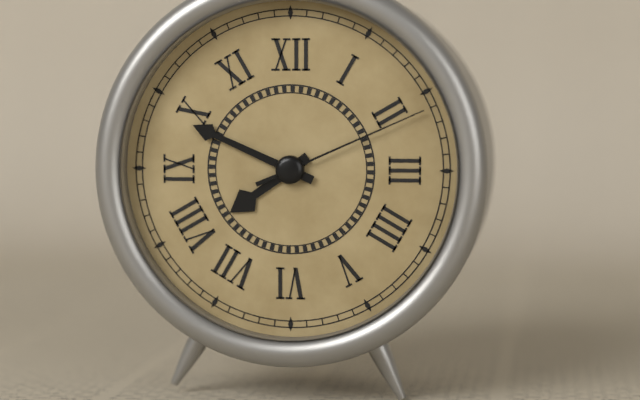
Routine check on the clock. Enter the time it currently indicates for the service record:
7:49:11
